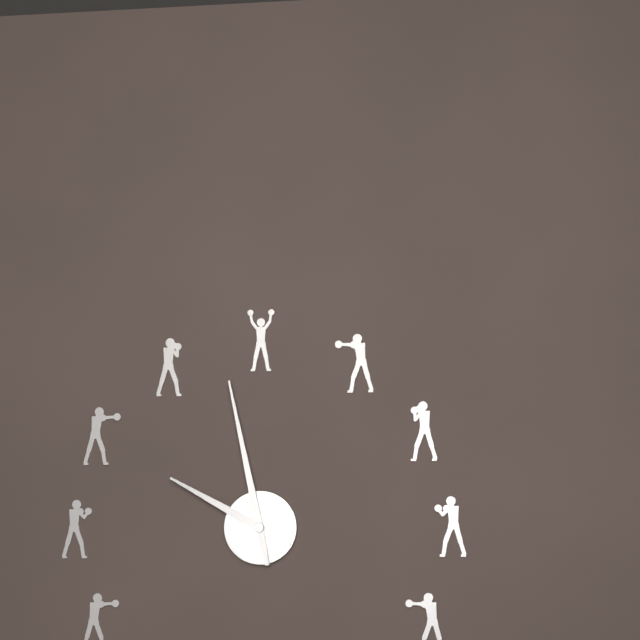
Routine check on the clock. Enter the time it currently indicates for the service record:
9:58
